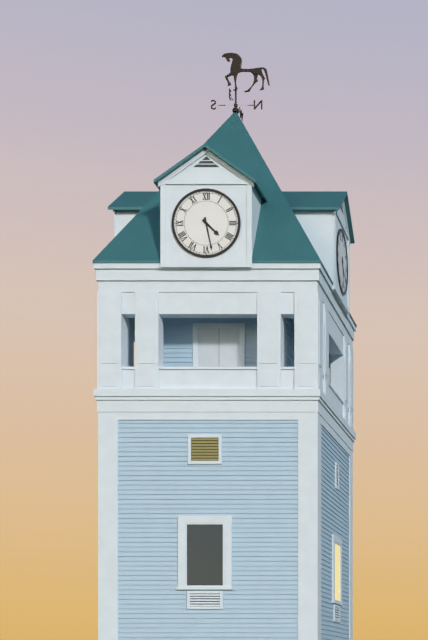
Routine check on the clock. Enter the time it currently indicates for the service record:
4:28
